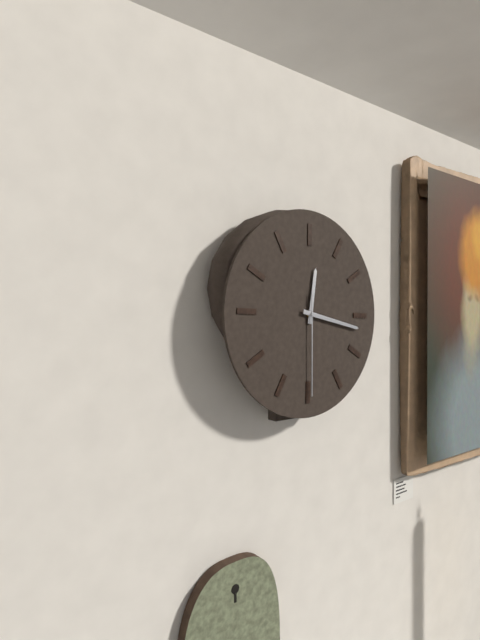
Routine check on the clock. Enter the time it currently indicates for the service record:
12:17:30
